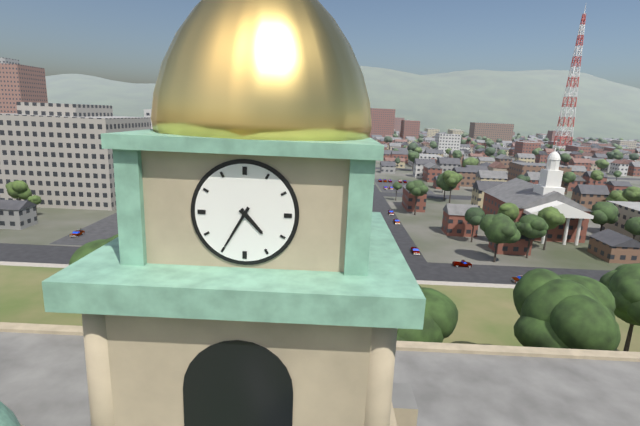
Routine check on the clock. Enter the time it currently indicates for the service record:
4:35
